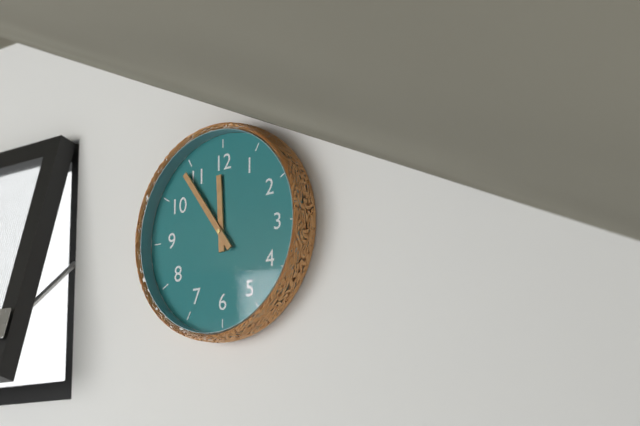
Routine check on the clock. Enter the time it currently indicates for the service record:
11:54
